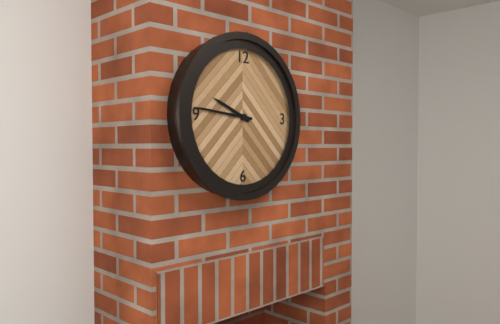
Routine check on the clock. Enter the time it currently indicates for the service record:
9:46
